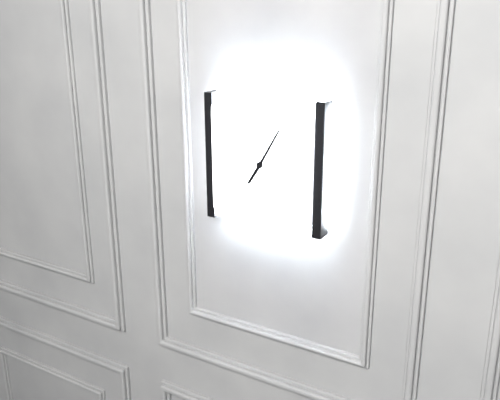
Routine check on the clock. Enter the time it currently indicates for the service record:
7:05
